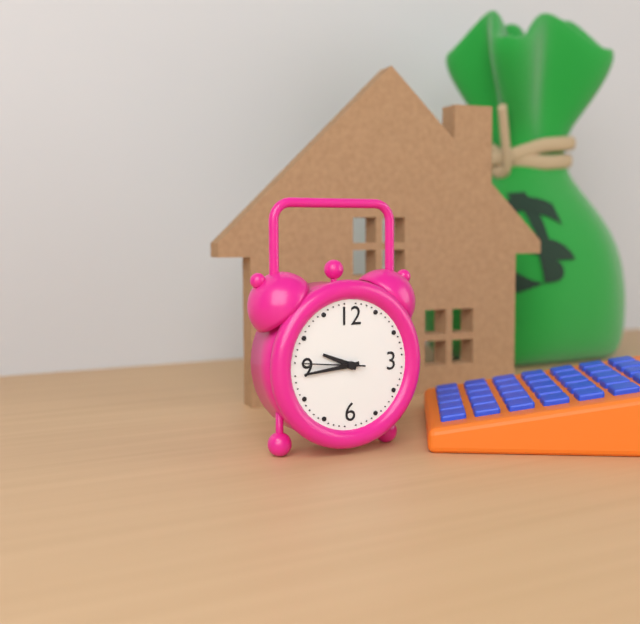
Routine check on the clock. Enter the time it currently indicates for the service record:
9:44:46
